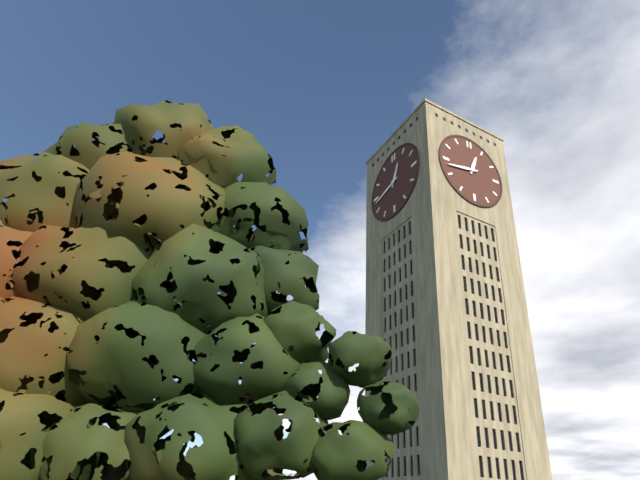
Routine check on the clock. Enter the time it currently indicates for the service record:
12:43
